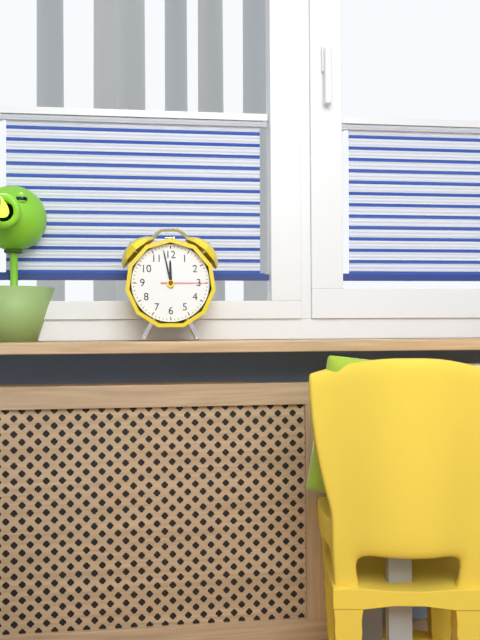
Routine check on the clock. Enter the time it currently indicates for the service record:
11:58
